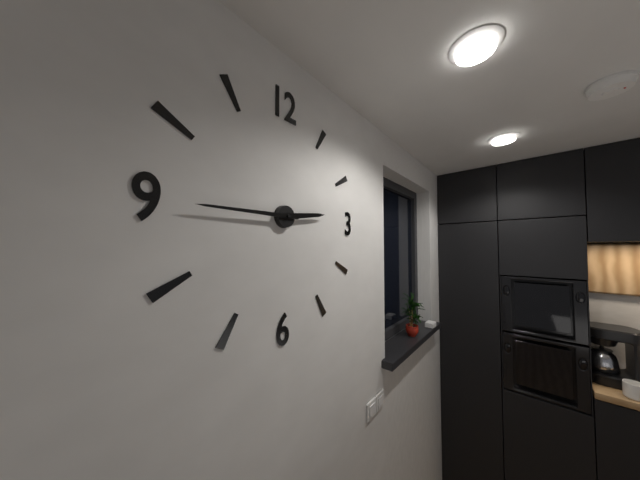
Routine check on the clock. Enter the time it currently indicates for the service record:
2:45
